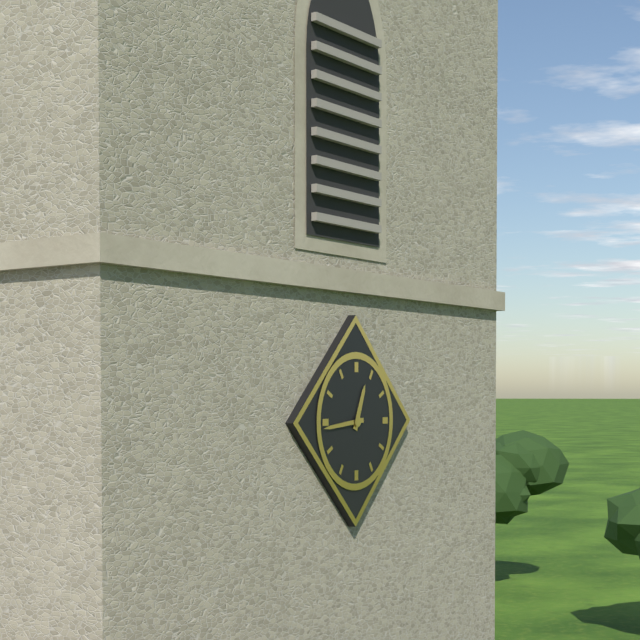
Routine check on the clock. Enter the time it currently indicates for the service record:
12:44
